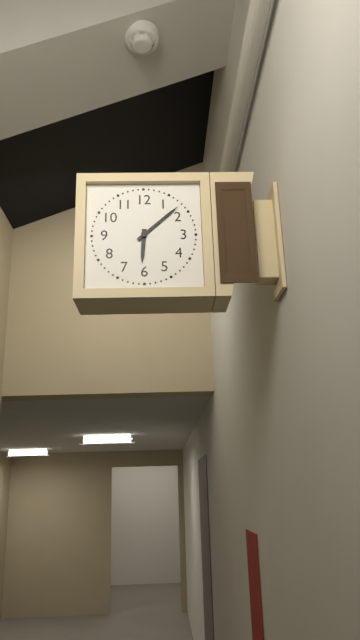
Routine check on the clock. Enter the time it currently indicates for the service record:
6:08
